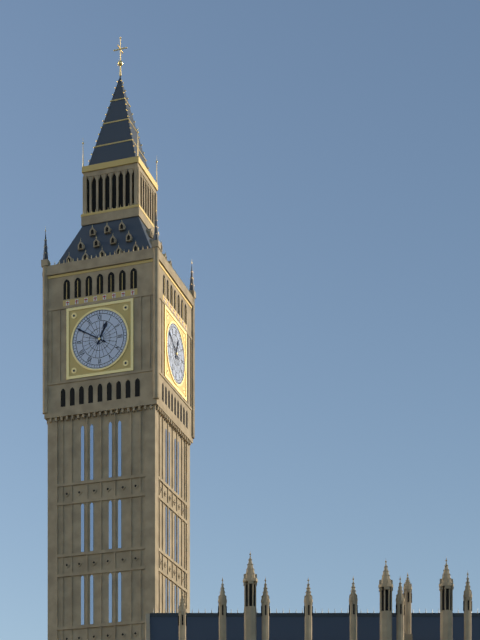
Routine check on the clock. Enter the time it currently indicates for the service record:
12:50
